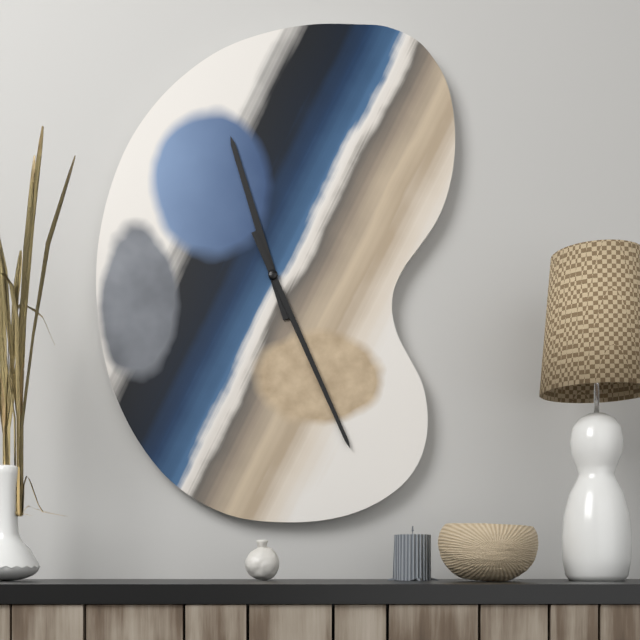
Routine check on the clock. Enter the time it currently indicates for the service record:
11:26
